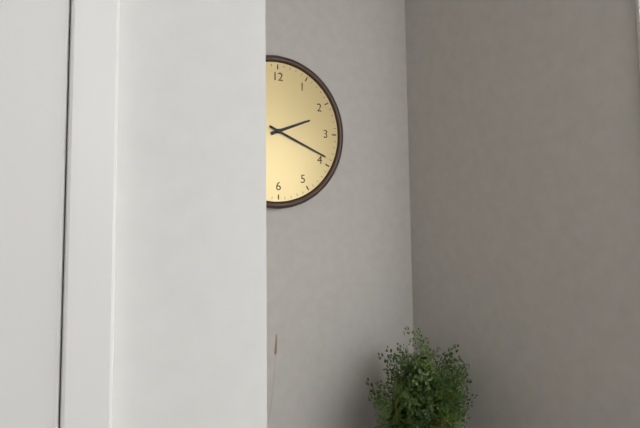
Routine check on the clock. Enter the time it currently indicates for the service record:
2:19
